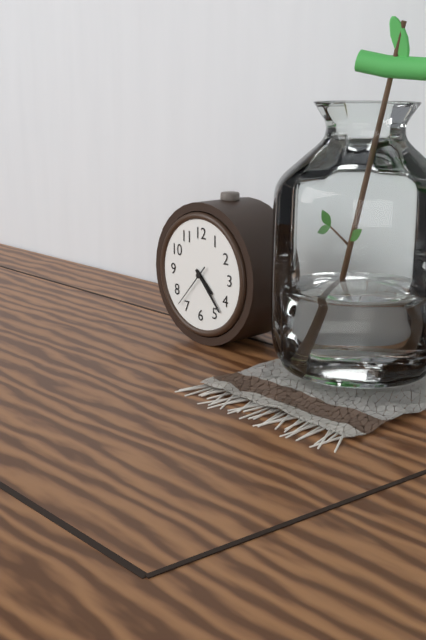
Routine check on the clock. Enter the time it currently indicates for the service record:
4:23
